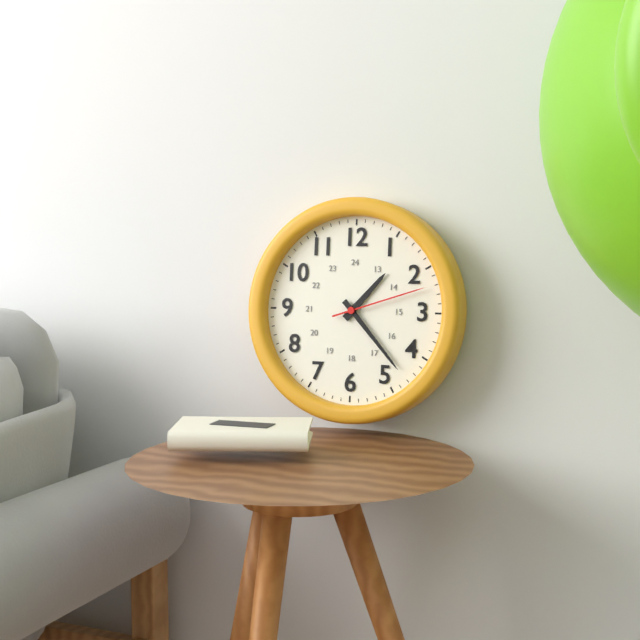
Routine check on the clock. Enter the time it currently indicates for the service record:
1:23:12
